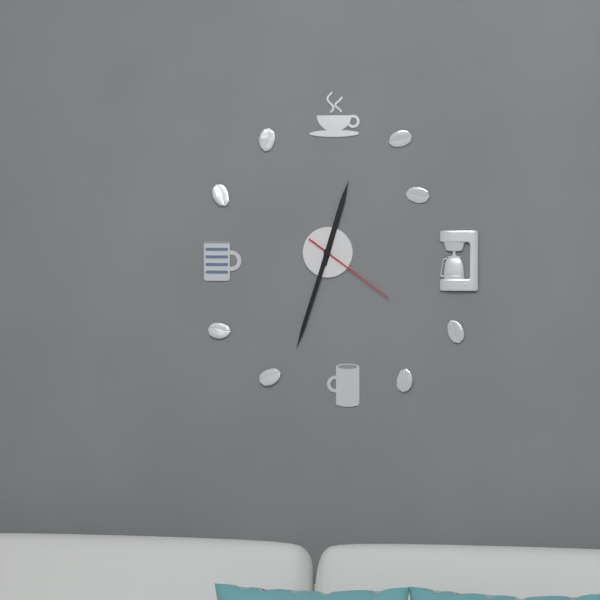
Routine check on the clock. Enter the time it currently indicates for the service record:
12:33:21
